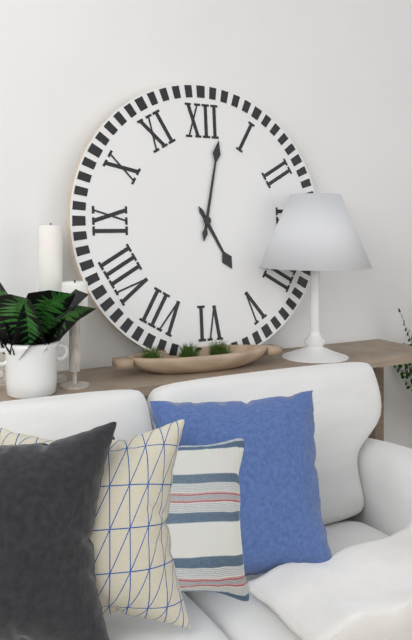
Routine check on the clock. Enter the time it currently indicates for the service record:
5:02
